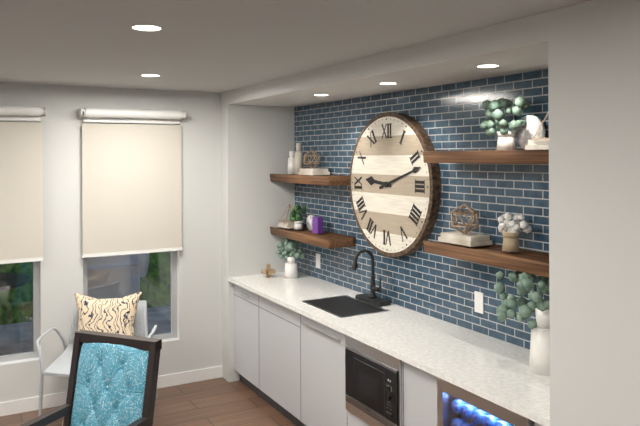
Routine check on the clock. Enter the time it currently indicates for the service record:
9:12
